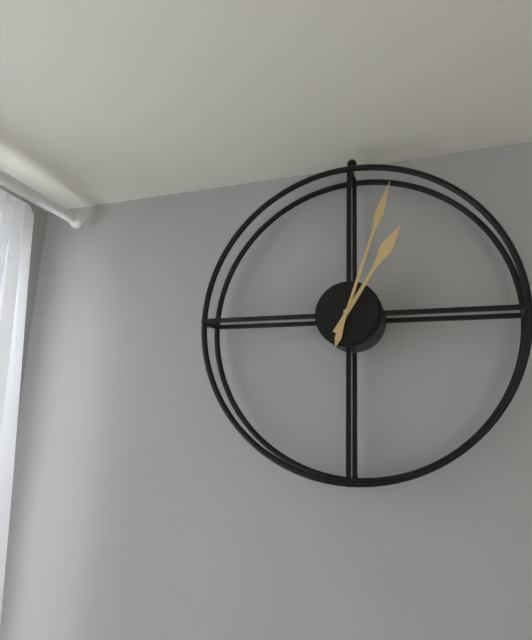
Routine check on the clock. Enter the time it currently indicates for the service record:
1:03
